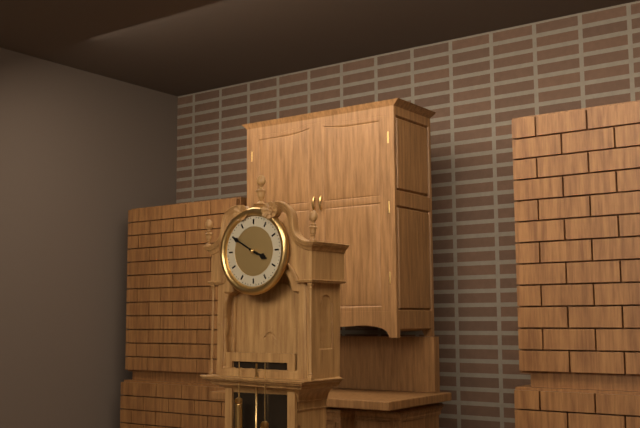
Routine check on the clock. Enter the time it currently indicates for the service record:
3:50
